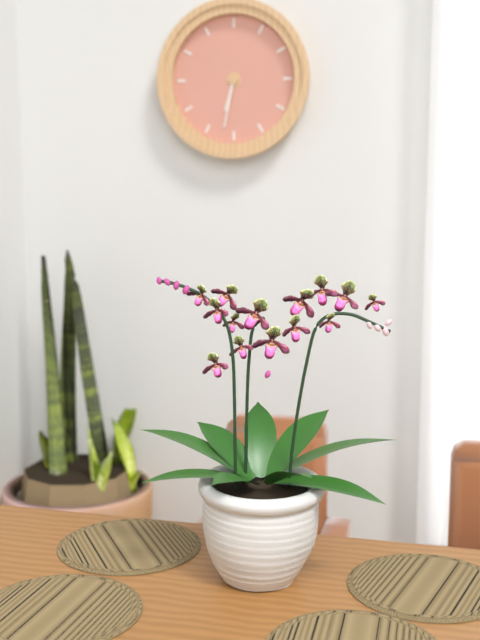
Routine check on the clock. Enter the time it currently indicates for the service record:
6:32
